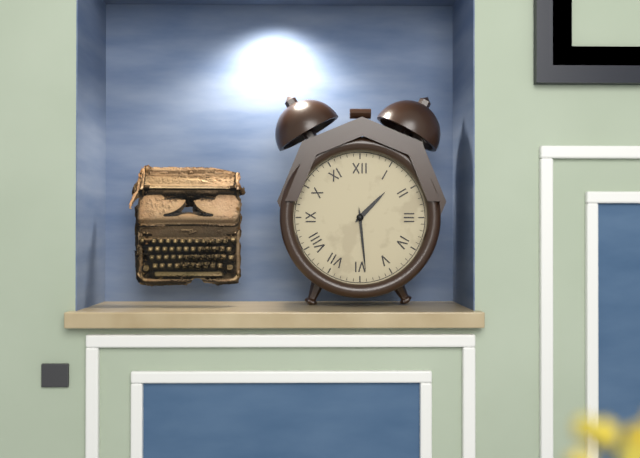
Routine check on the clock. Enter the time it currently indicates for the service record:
1:29
